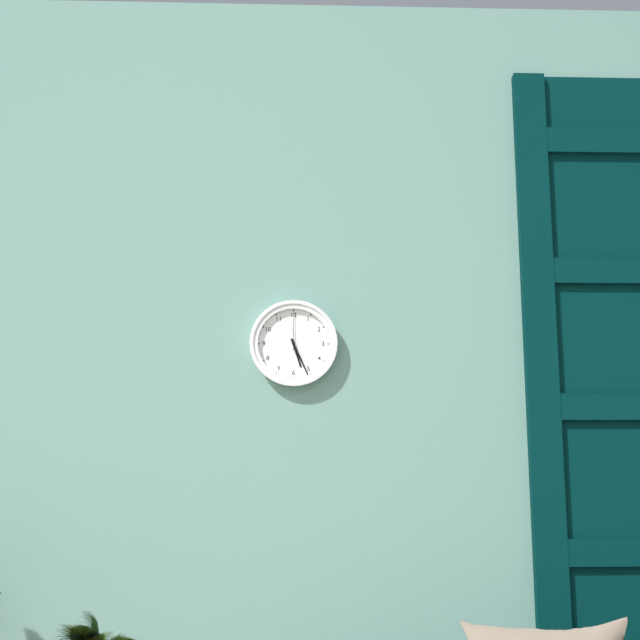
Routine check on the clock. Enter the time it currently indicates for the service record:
5:26
